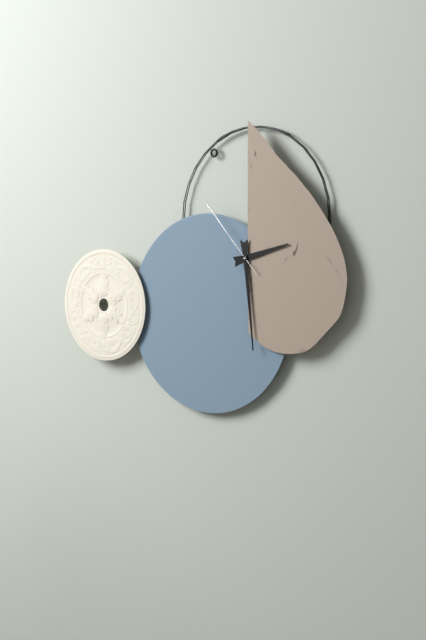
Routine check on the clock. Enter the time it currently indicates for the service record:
2:29:53
